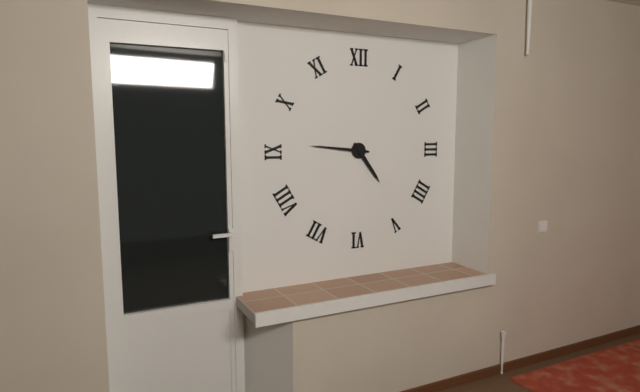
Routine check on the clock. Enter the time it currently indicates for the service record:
4:46
